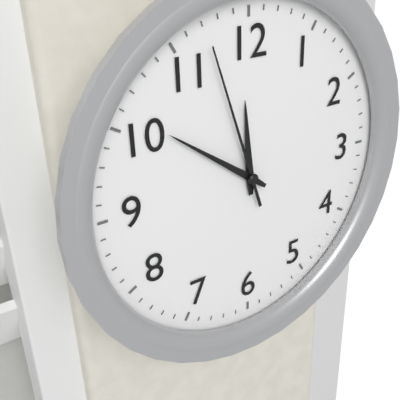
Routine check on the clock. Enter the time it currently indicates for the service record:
11:51:57
